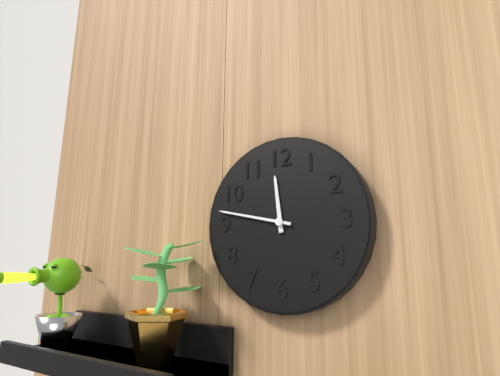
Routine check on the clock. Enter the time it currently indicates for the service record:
11:47
